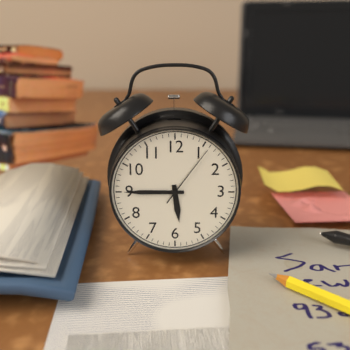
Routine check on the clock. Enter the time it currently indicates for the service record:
5:45:06
